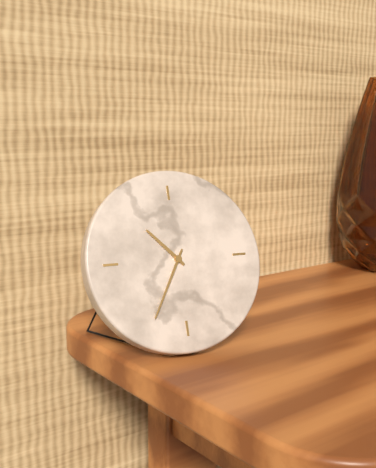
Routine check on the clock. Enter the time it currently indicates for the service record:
10:35
